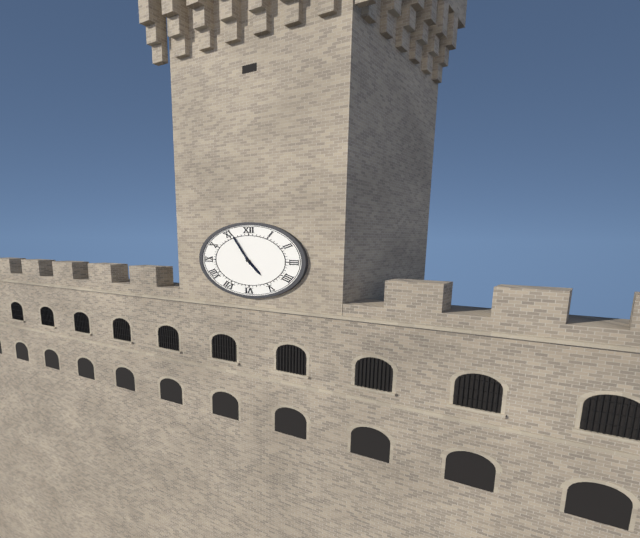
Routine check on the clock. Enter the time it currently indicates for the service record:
4:56
